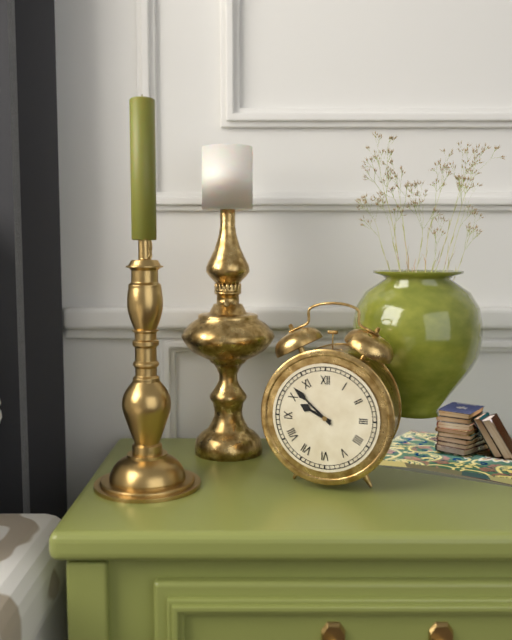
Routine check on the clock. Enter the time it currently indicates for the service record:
9:52
